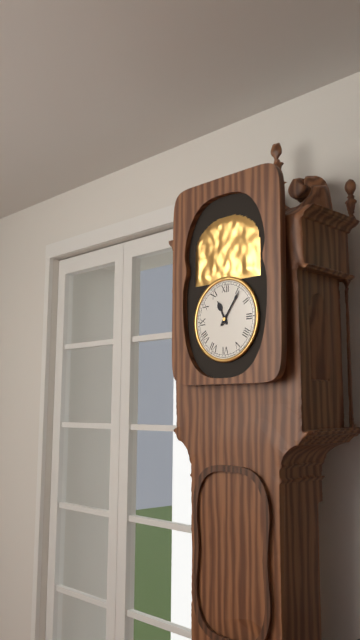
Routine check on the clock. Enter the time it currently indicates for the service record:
11:06
